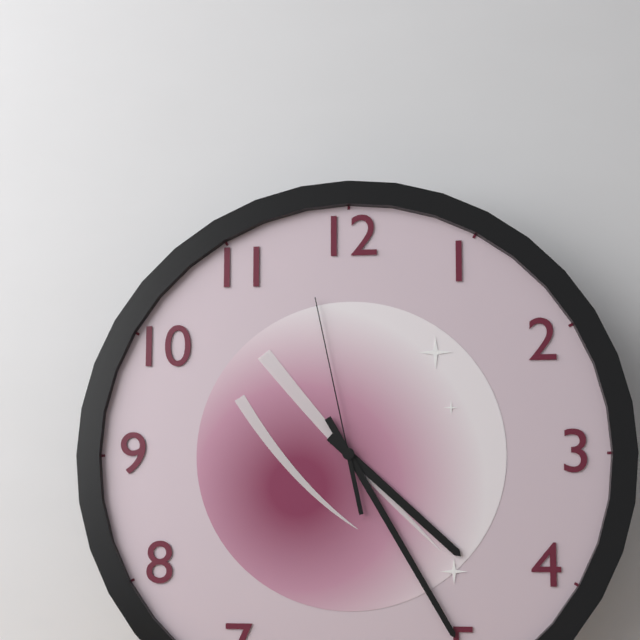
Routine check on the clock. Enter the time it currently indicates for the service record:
4:25:58
